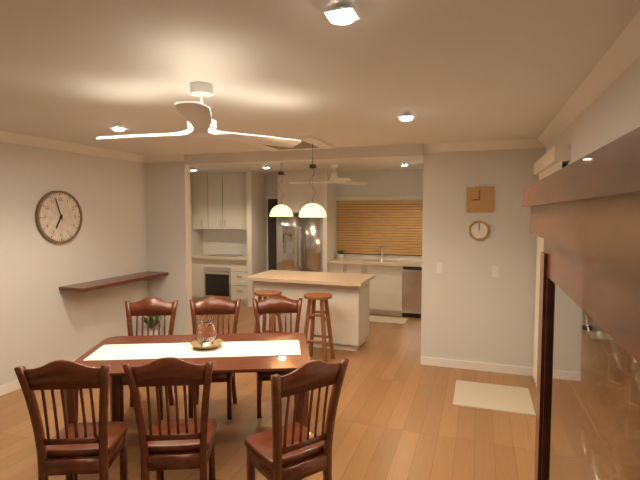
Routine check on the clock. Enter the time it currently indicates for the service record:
6:57
